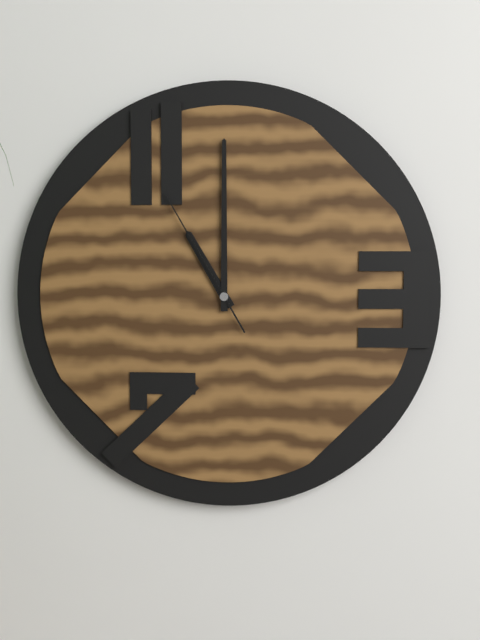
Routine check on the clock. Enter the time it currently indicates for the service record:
11:00:55
